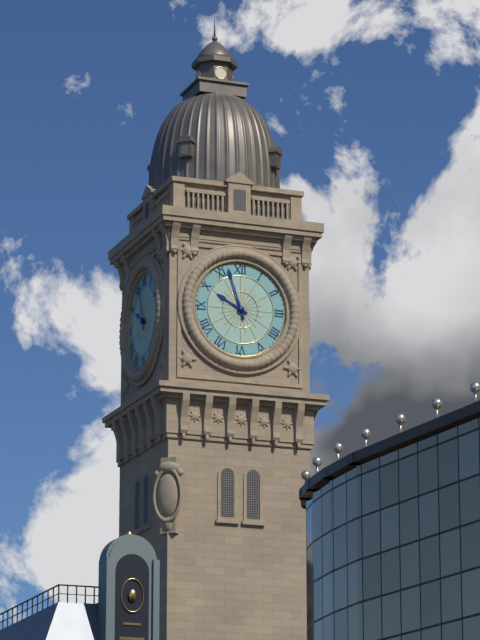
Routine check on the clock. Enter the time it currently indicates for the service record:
9:57
